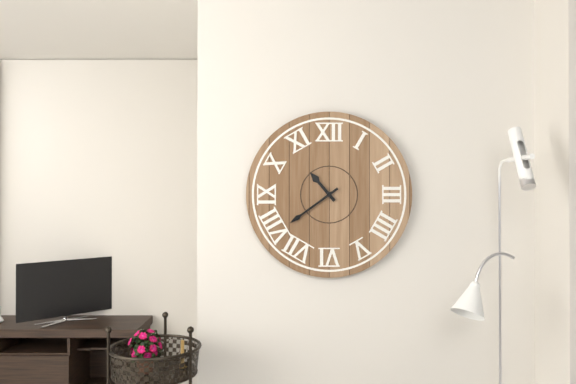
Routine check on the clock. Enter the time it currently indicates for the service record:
10:39
